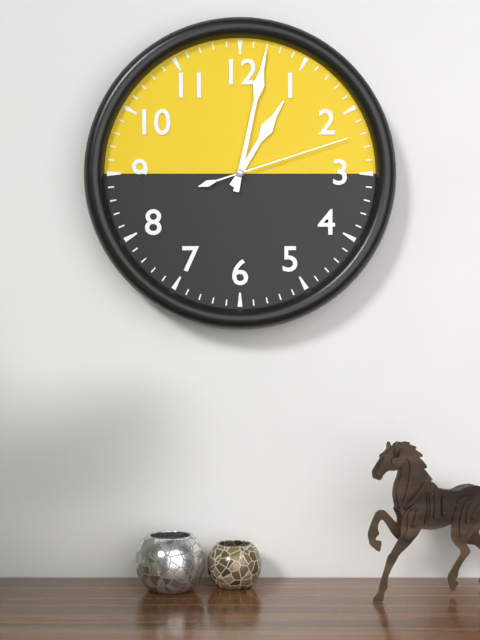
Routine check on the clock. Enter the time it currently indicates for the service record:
1:02:12
